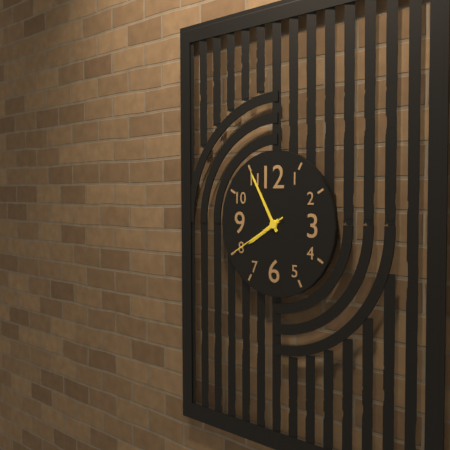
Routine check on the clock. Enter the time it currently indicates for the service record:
7:55:40
